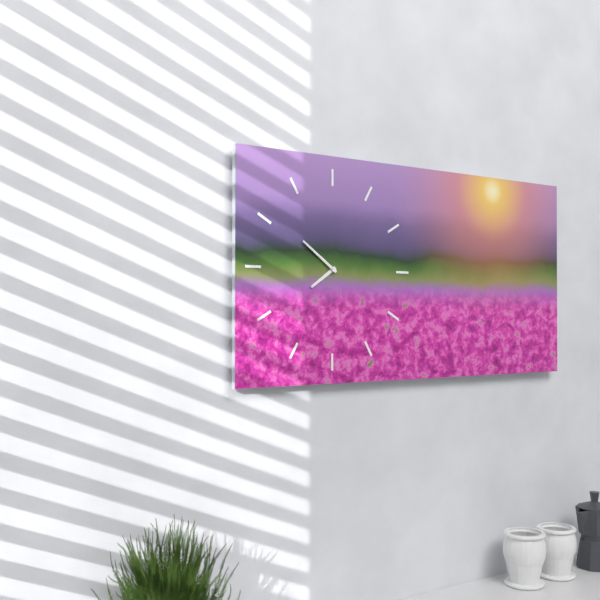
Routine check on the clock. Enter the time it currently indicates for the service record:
7:51
